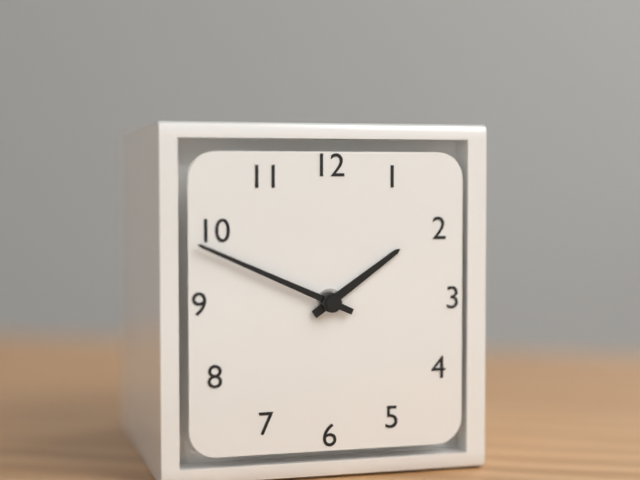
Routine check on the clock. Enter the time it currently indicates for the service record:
1:49
